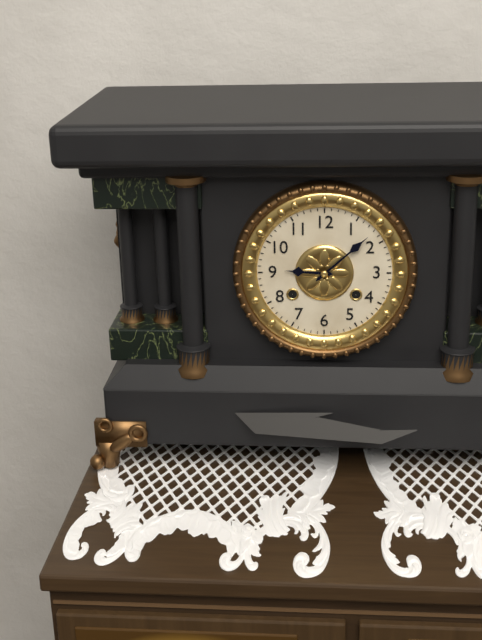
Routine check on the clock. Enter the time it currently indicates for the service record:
9:08
